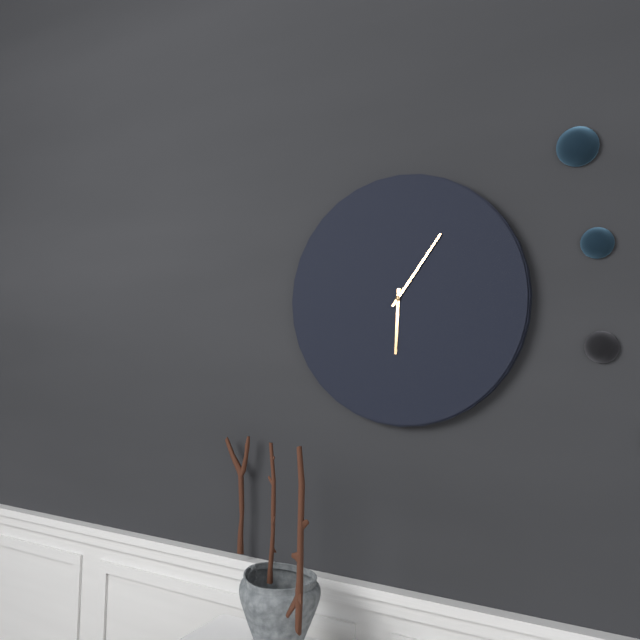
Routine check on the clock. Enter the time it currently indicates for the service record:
6:06
